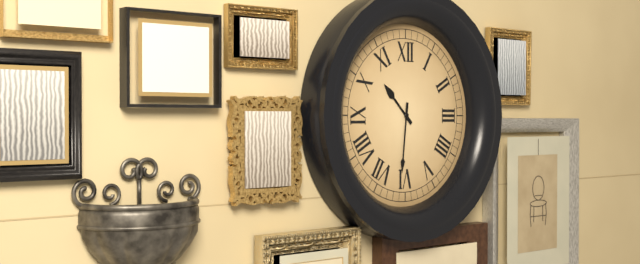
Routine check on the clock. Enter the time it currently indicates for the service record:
10:31
